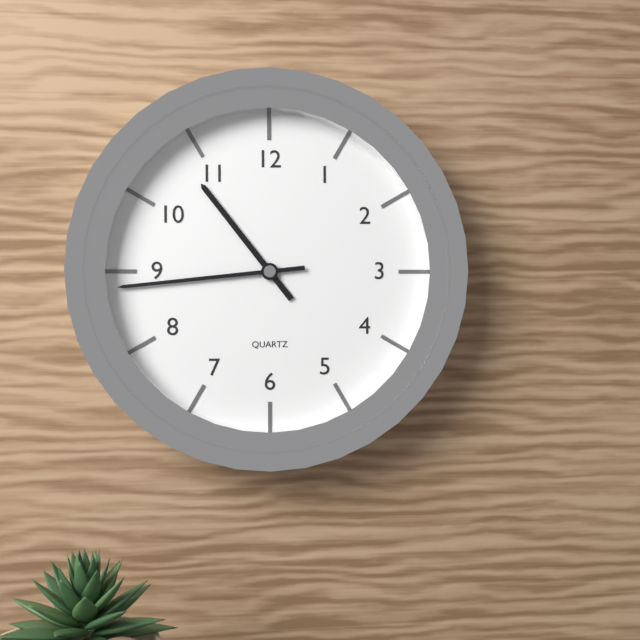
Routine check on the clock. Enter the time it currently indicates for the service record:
10:44
